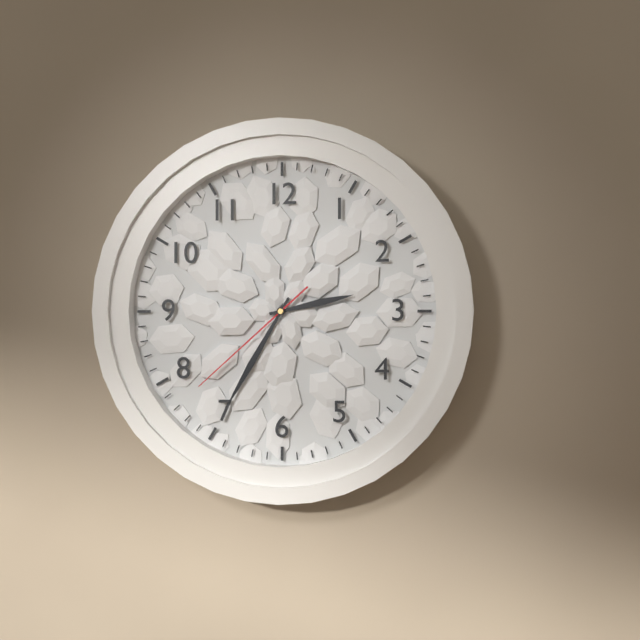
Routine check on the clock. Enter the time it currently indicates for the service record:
2:35:38
